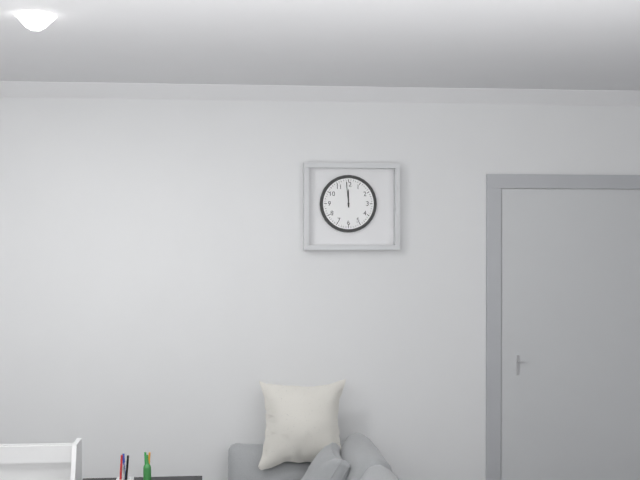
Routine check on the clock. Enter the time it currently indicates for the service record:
11:59
